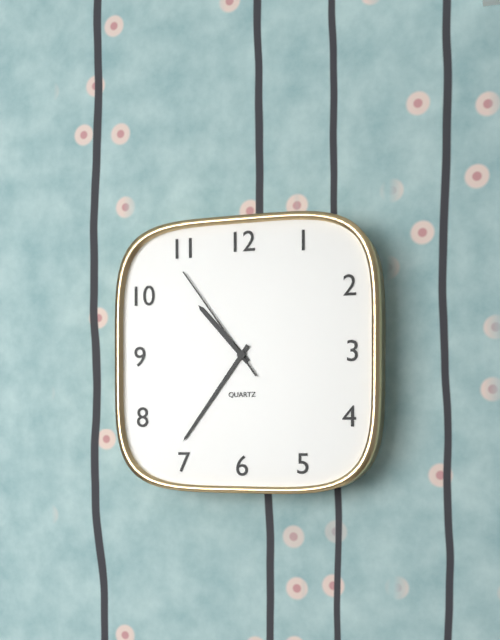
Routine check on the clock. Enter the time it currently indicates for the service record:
10:36:54
